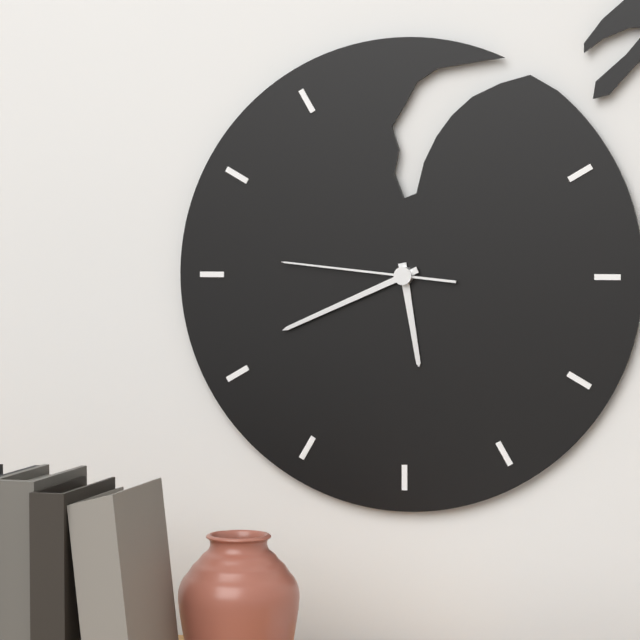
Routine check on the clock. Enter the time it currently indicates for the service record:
5:41:46
